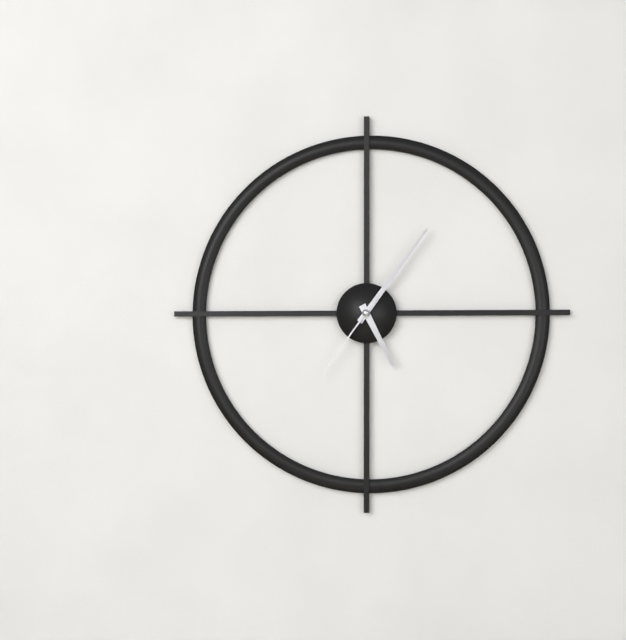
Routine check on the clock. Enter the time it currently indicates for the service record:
5:06:36
